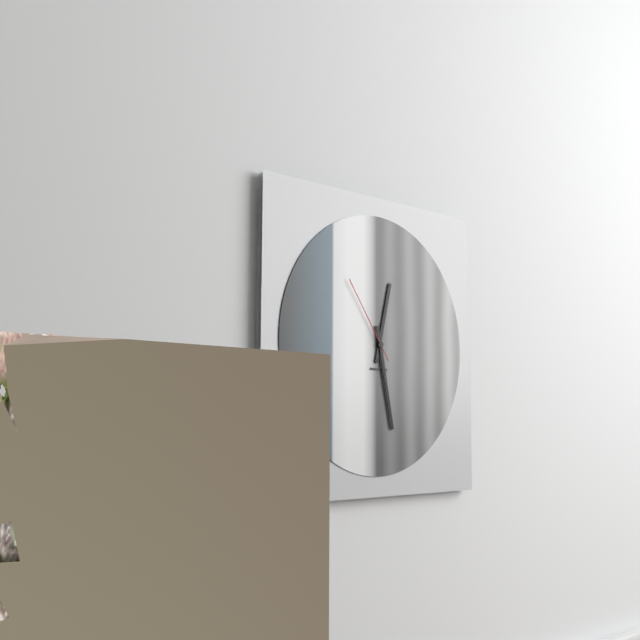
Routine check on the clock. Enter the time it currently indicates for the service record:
12:28:54
